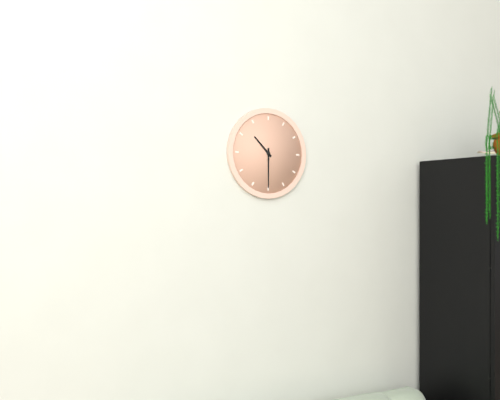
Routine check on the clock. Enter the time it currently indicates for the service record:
10:30
